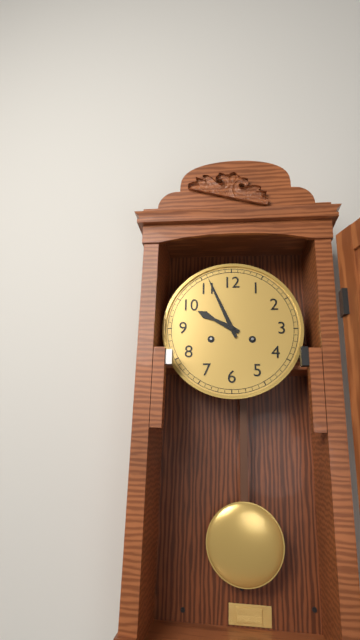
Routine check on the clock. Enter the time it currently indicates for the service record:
9:56
